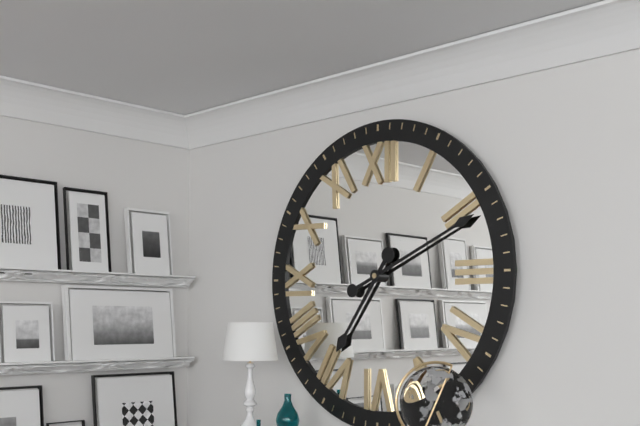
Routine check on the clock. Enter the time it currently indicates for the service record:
7:11
